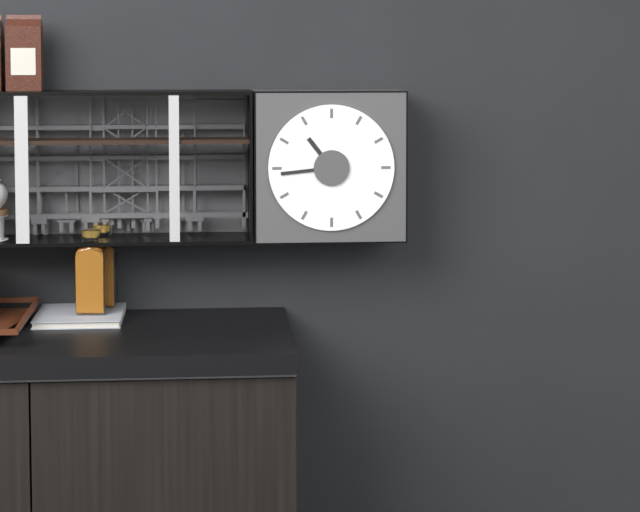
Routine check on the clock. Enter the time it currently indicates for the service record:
10:44
